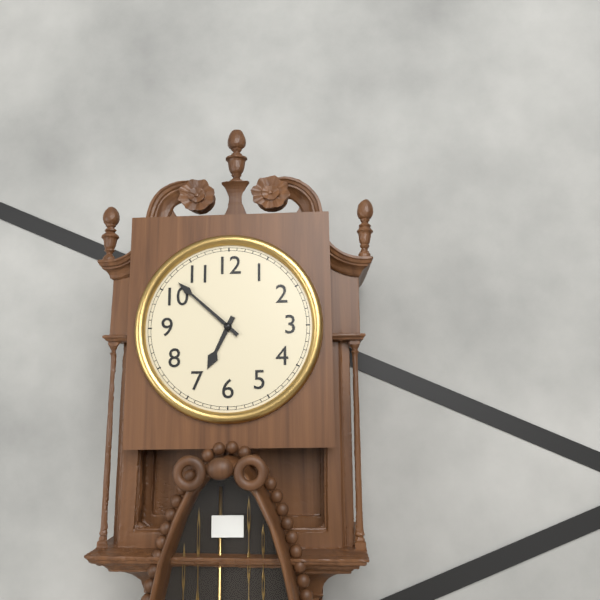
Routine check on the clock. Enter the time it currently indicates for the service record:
6:52
